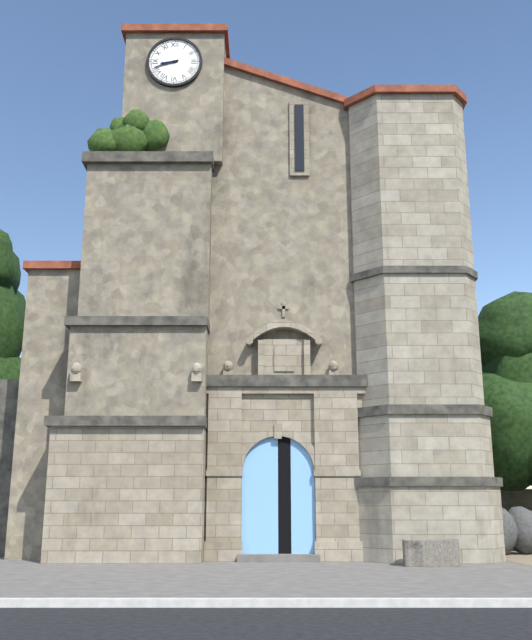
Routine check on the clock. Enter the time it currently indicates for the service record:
8:42
